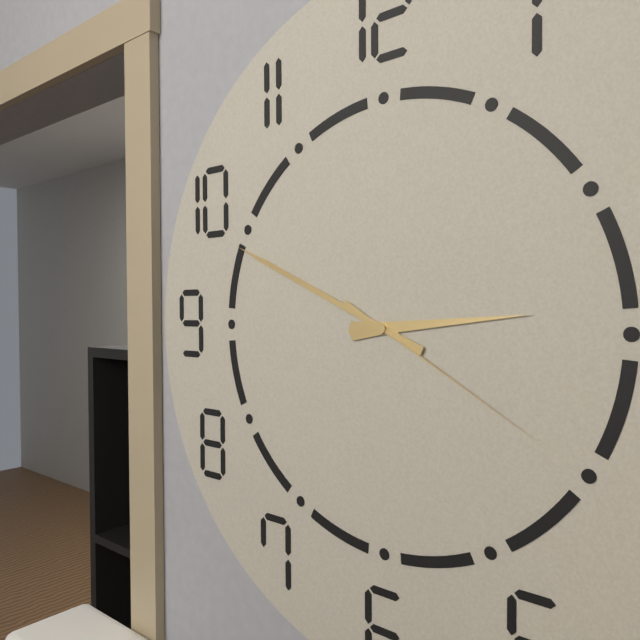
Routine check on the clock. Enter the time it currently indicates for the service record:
2:49:20
